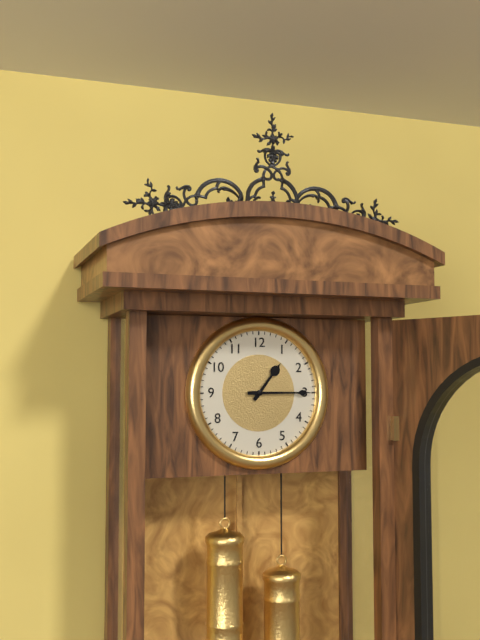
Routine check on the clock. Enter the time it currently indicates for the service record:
1:15
